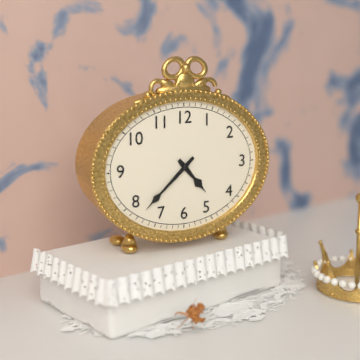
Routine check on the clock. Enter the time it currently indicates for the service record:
4:38
